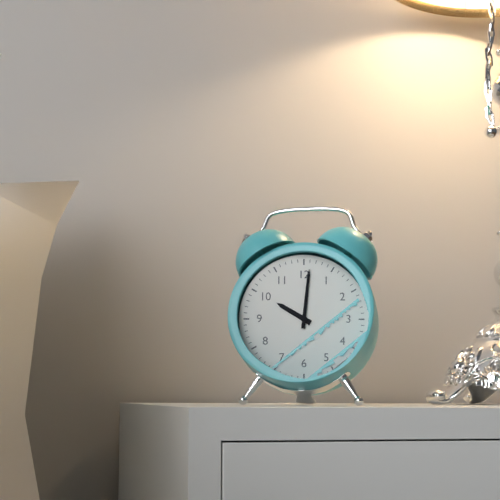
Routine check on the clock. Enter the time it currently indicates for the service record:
10:01
